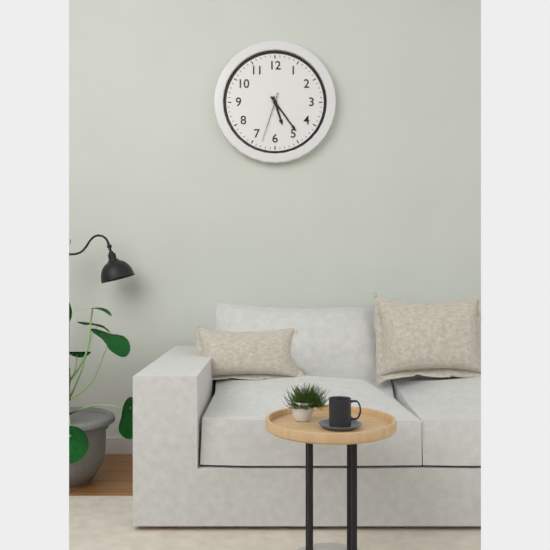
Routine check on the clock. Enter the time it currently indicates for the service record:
5:24:33
